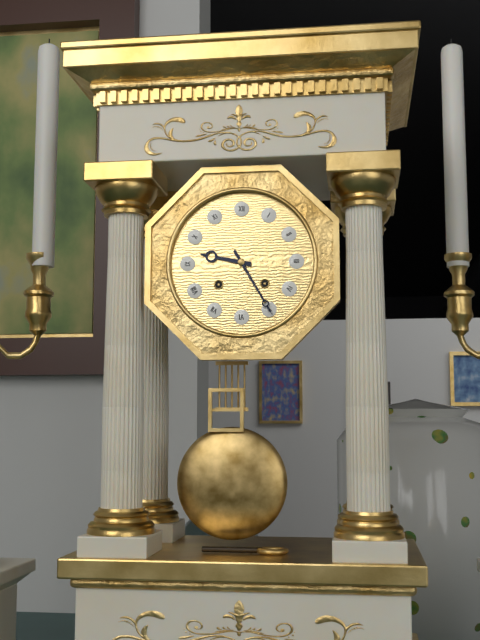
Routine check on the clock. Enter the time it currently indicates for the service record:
9:25
